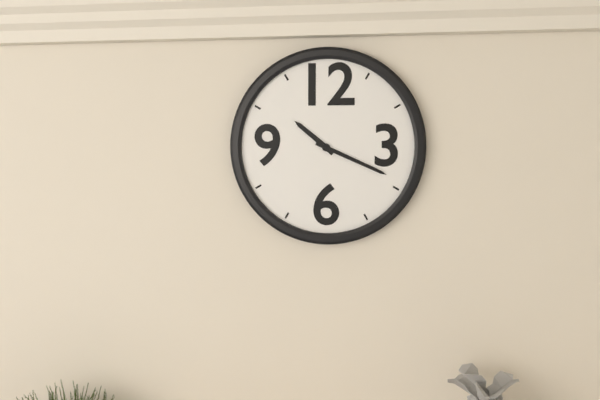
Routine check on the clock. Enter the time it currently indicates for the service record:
10:19
